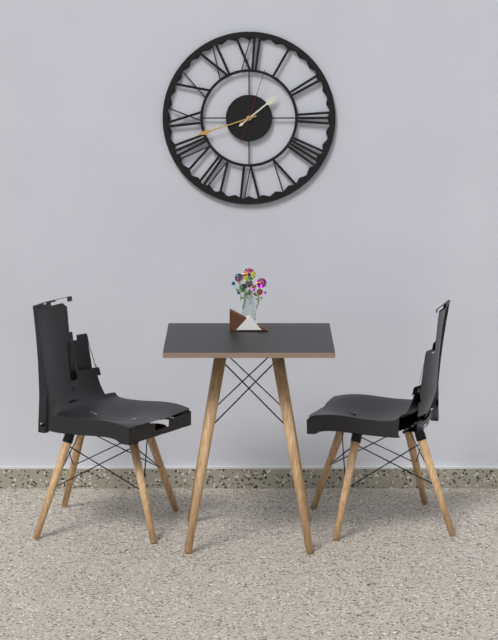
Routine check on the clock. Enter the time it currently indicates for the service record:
1:42:03
